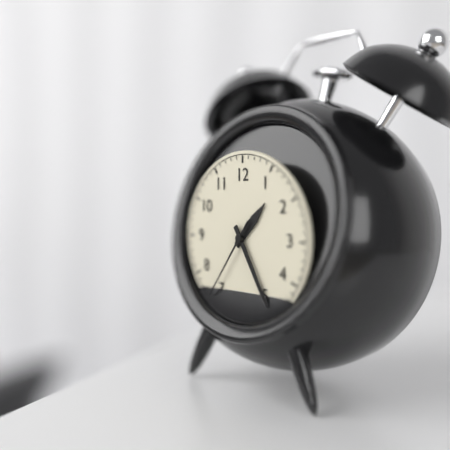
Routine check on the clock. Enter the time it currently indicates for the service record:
1:25:36
